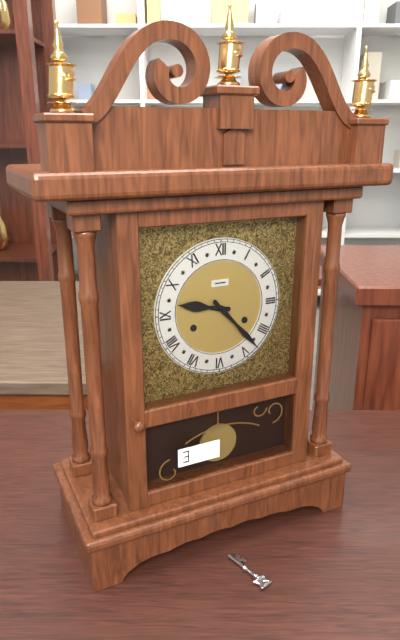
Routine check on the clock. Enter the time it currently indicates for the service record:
9:23
